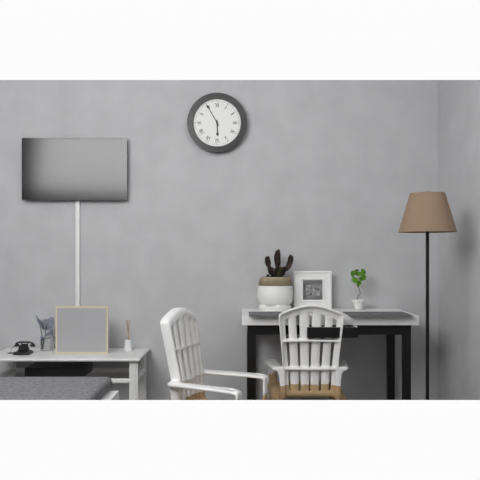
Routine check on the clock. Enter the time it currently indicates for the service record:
5:55
